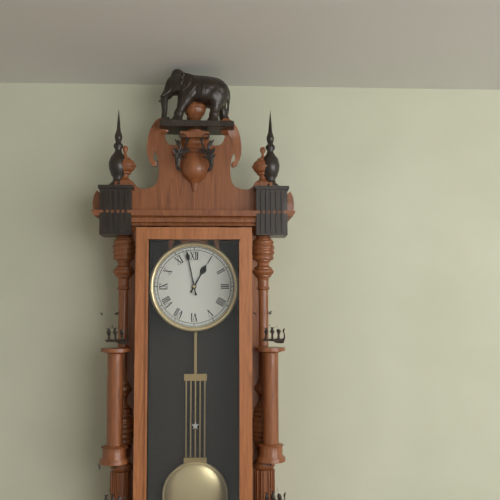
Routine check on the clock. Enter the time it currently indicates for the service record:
12:58
